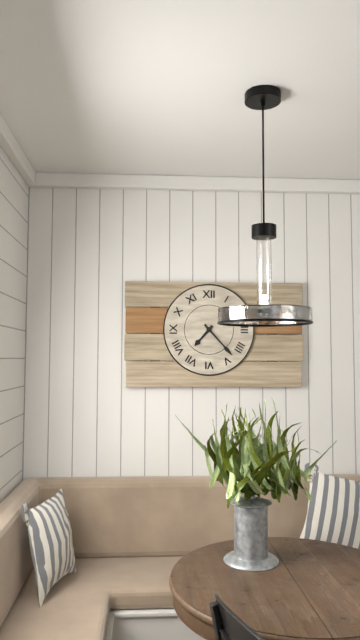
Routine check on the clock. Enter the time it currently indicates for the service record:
7:23
